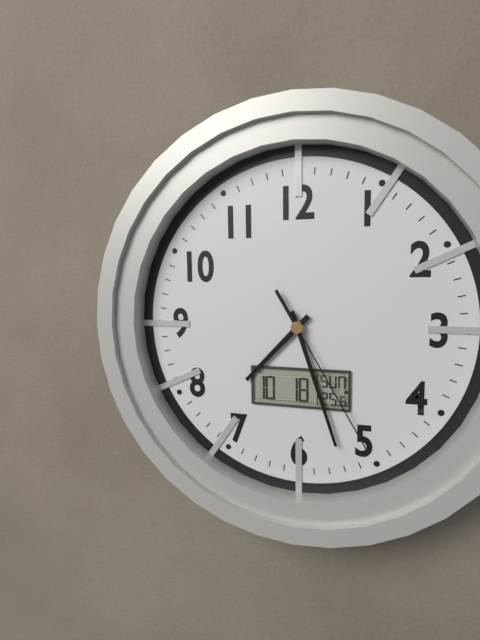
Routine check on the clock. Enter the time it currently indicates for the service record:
7:27:25
